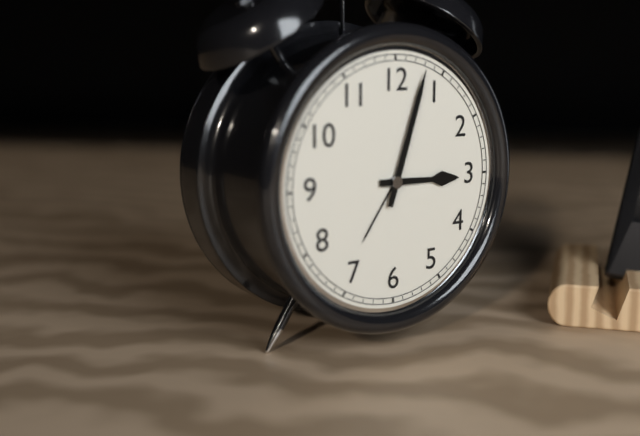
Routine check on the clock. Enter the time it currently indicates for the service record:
3:03
